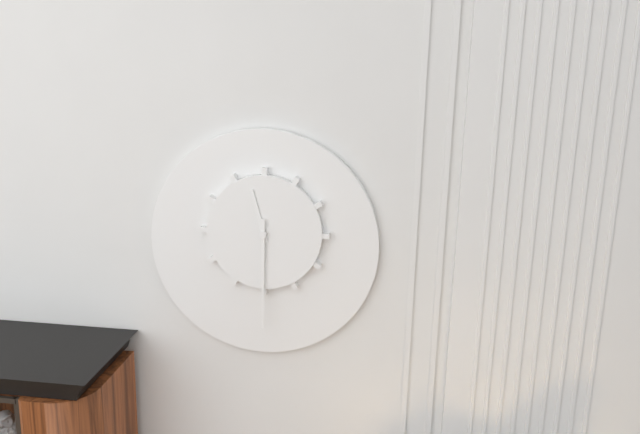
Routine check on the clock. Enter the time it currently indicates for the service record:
11:30
